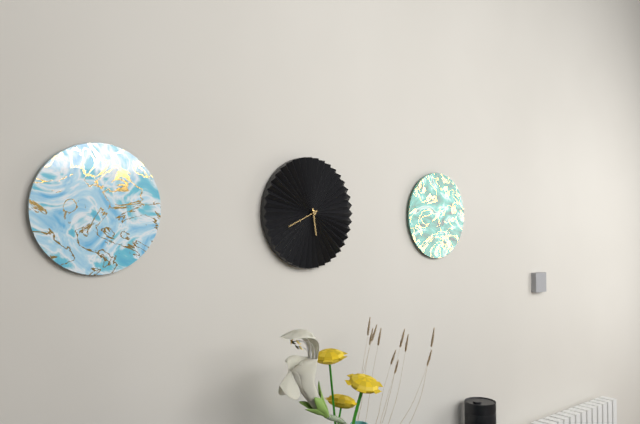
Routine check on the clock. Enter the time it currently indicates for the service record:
5:41
